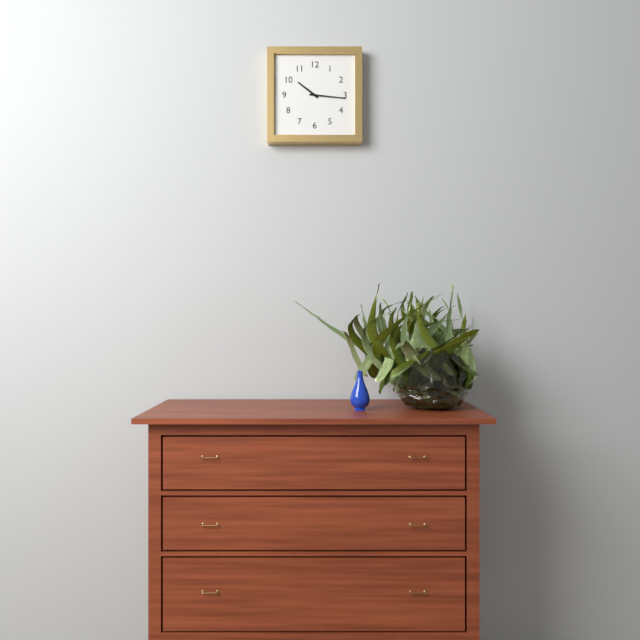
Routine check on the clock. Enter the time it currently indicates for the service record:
10:16
